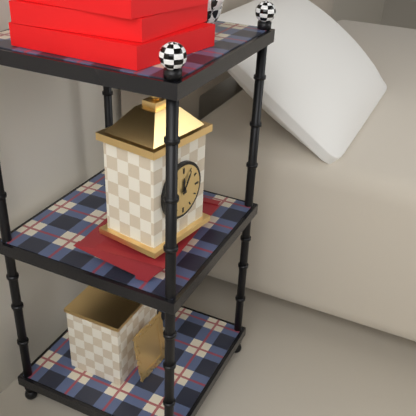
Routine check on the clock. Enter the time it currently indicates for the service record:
12:05
